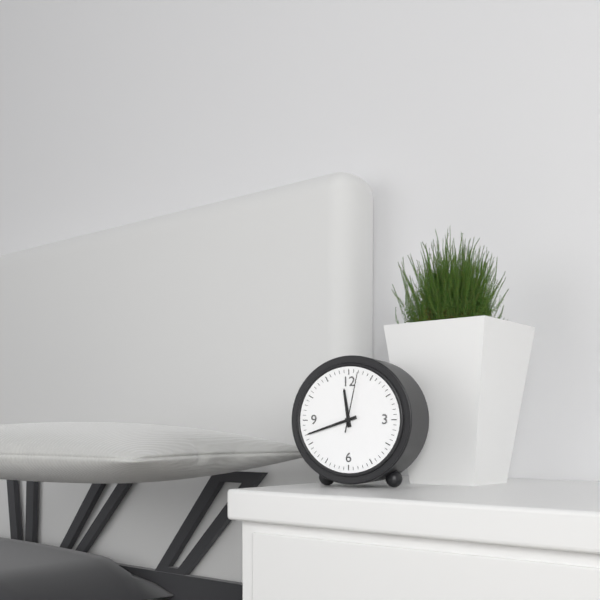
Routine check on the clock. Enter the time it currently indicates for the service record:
11:42:02
